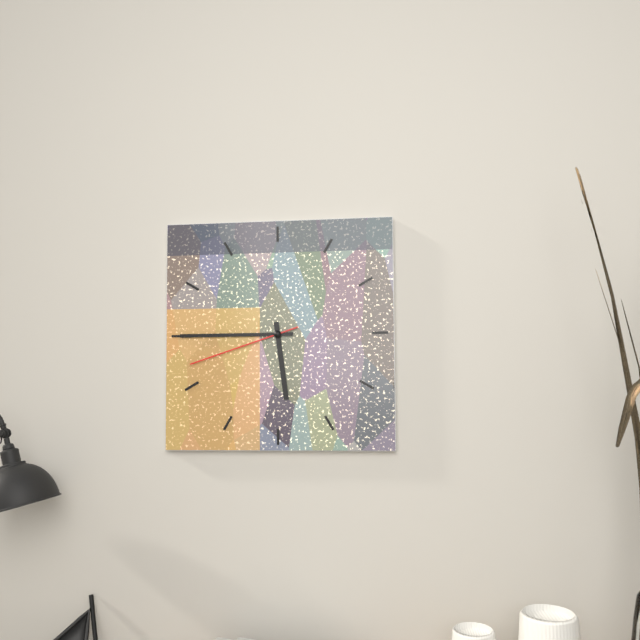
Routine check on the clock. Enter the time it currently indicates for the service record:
5:45:42
